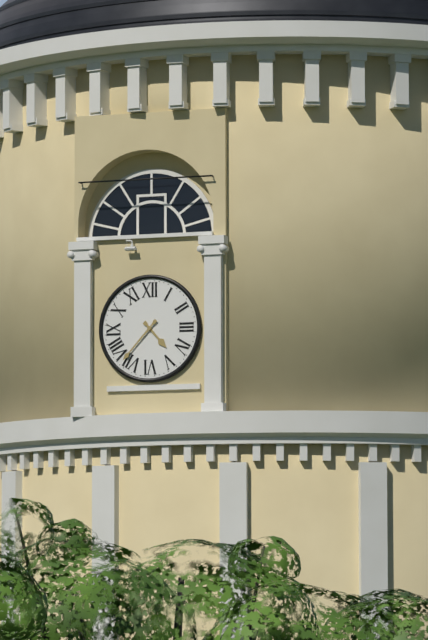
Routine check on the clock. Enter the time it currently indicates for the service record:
4:37
